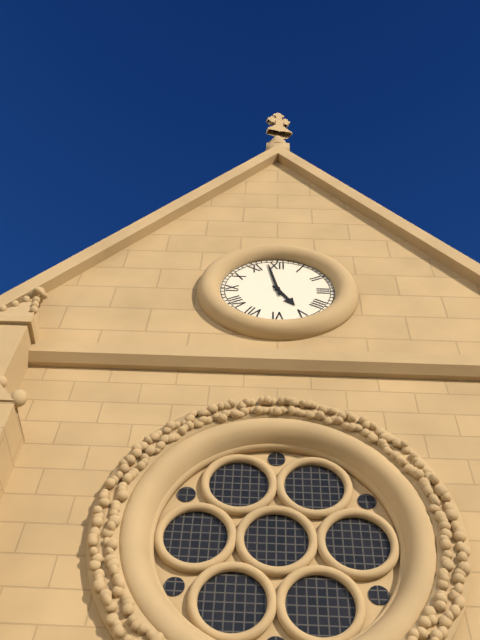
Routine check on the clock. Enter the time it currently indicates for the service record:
4:58
